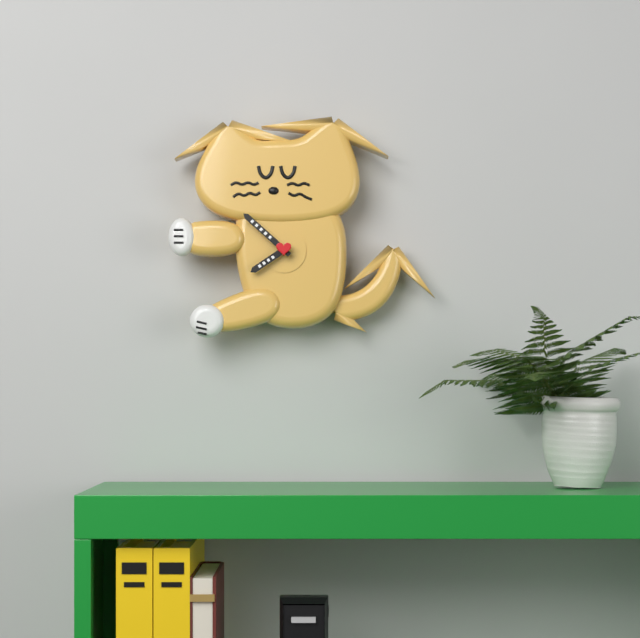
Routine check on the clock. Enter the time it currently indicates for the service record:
7:52
